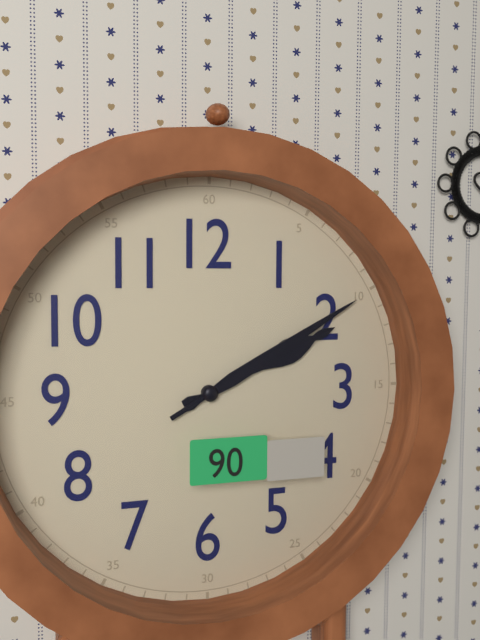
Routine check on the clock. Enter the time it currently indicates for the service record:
2:10
